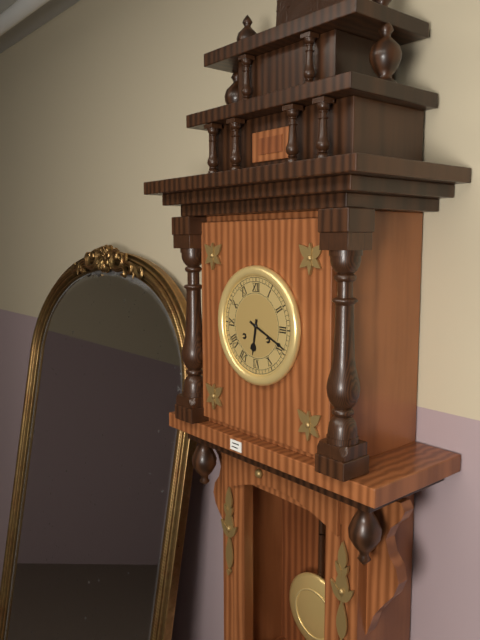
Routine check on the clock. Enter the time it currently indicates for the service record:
6:19
